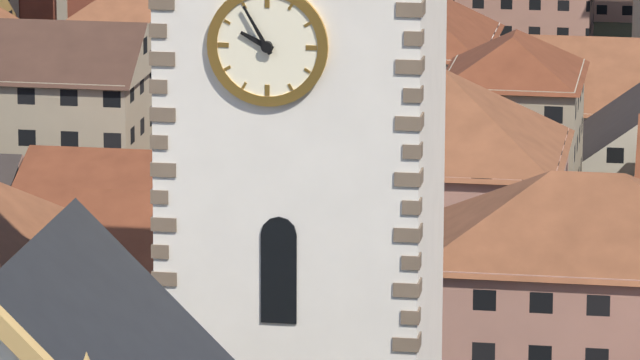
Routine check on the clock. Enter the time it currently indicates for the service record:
9:55
